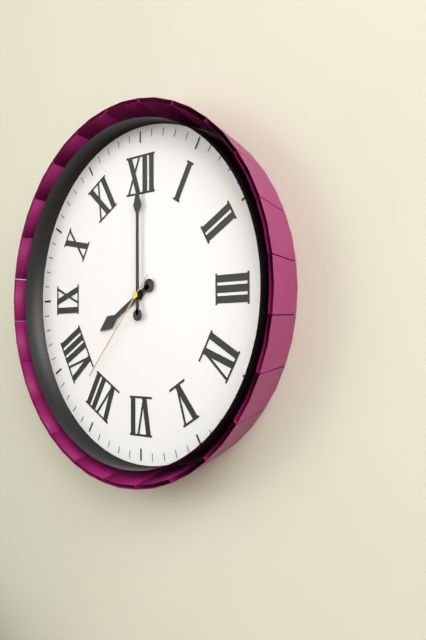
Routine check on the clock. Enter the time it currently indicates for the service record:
8:00:37
